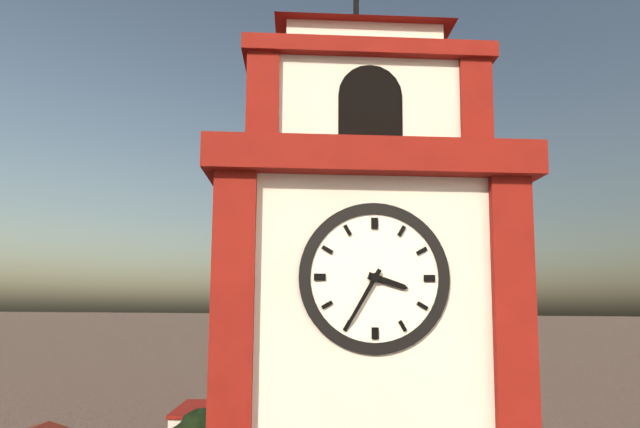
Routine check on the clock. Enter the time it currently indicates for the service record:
3:35
